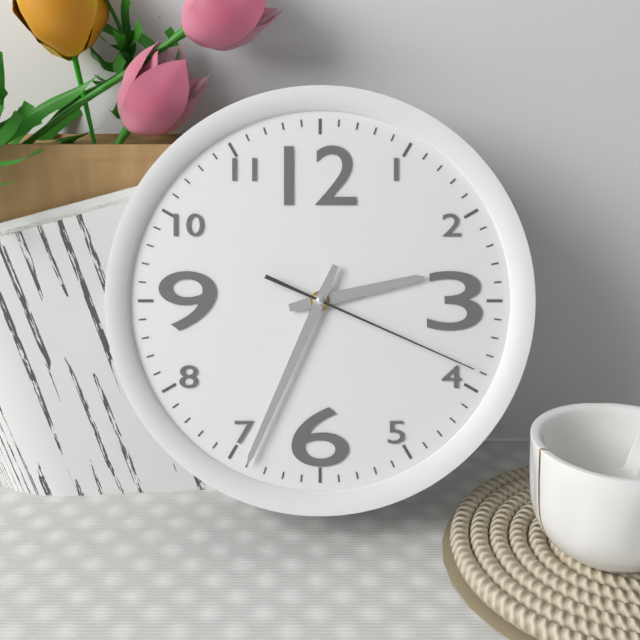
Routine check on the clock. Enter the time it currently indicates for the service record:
2:34:19
